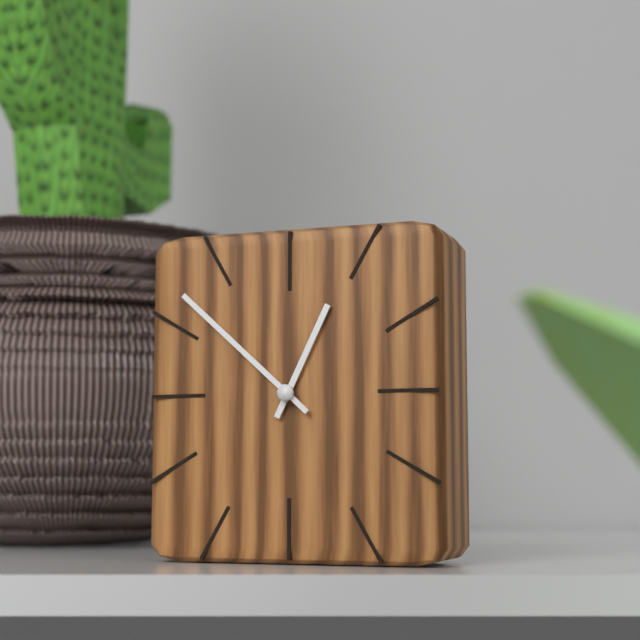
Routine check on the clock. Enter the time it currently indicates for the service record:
12:52
